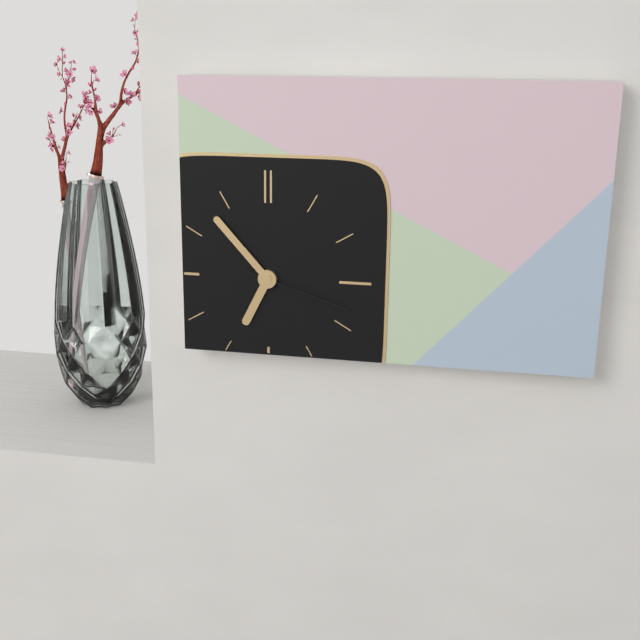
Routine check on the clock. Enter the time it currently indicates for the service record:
6:53:18
